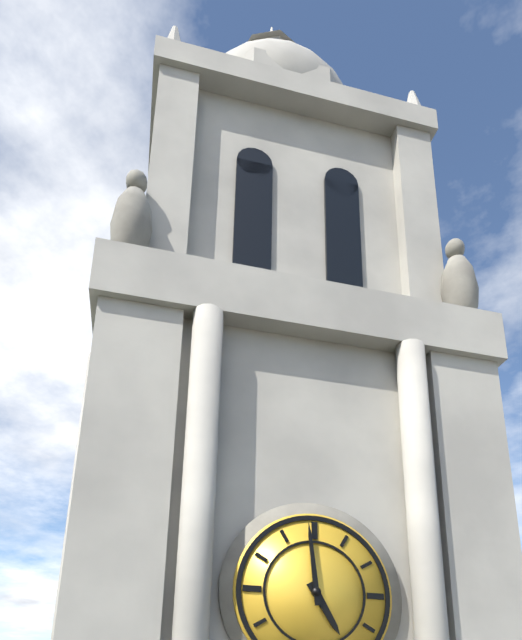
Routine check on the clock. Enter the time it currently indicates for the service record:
4:59
